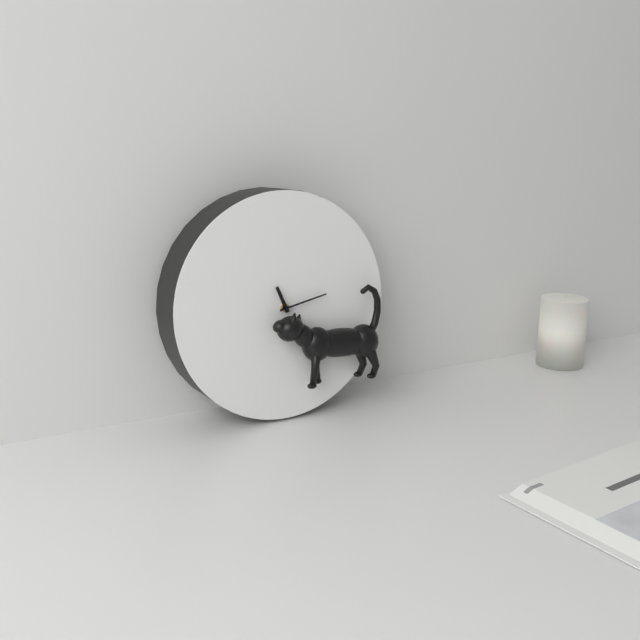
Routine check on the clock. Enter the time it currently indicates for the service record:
11:13
